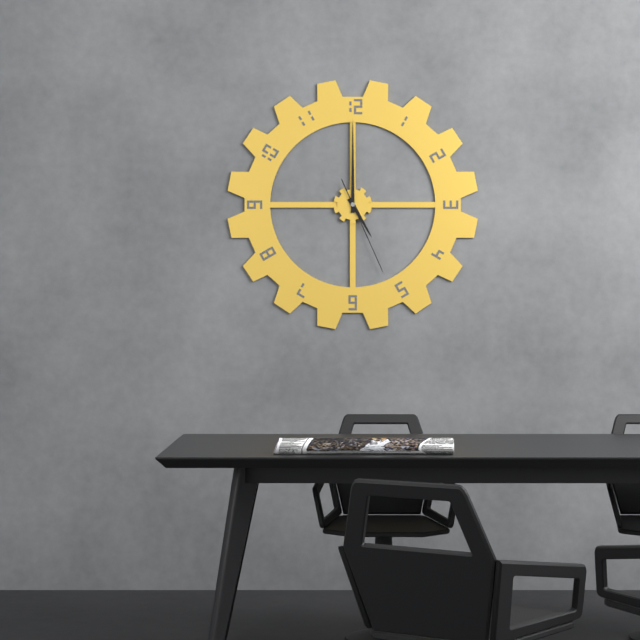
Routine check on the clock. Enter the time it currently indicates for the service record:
5:00:26
